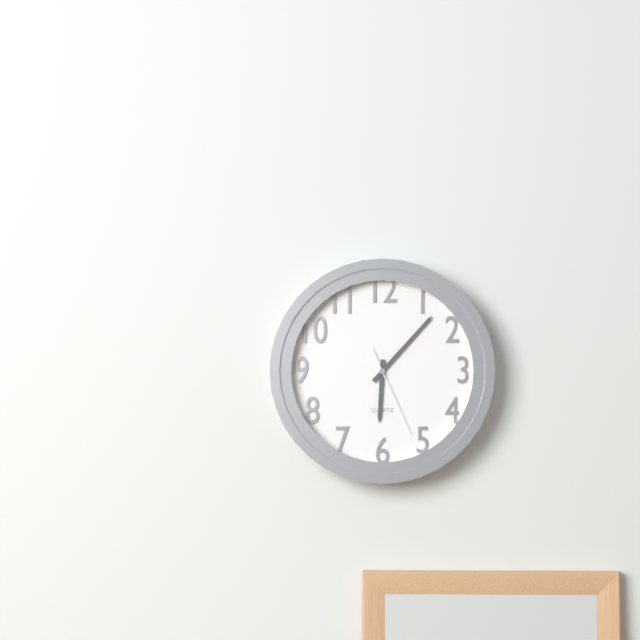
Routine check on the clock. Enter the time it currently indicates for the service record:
6:07:26
